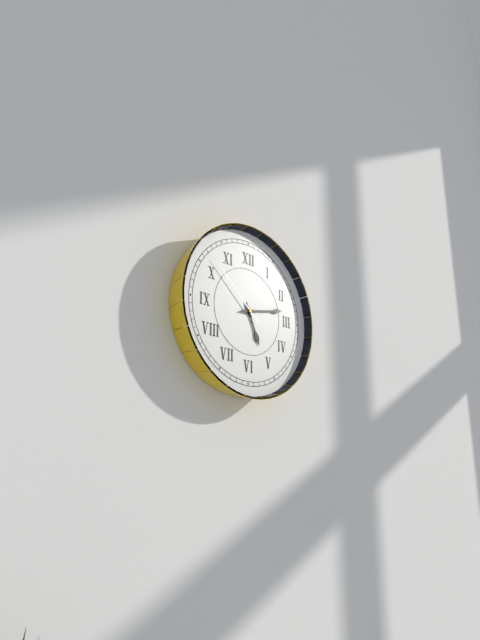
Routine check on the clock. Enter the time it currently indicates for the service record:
5:13:52
